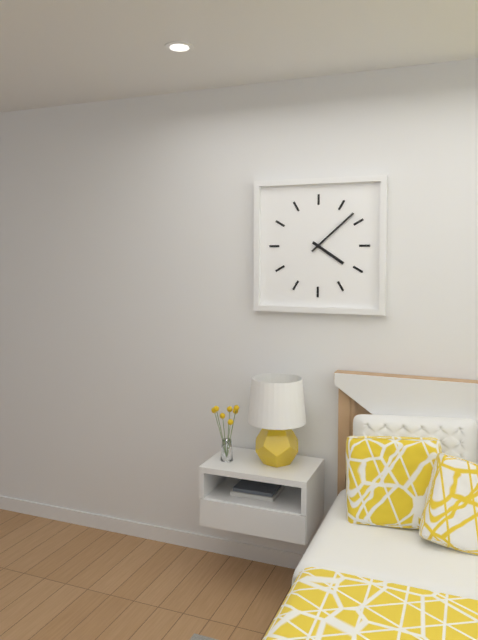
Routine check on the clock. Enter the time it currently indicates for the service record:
4:08
